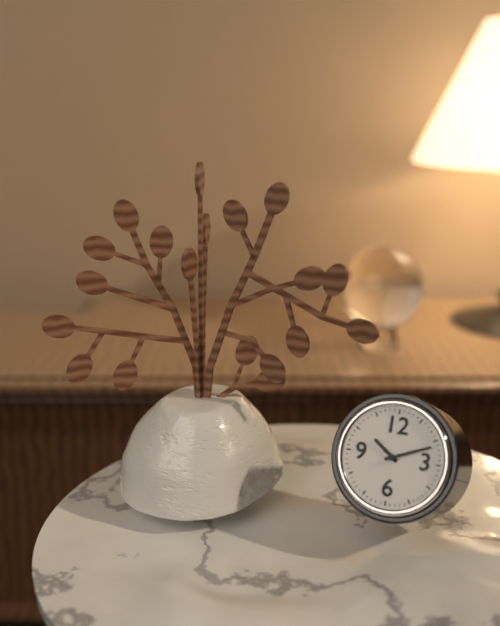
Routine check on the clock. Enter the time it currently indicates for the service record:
10:11
